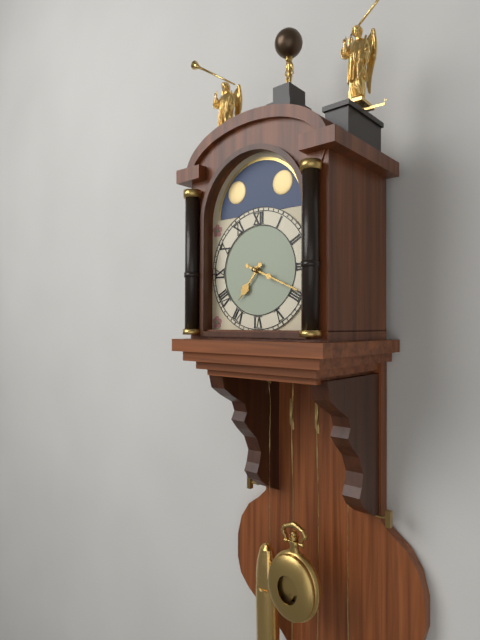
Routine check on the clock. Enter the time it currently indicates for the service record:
7:19
